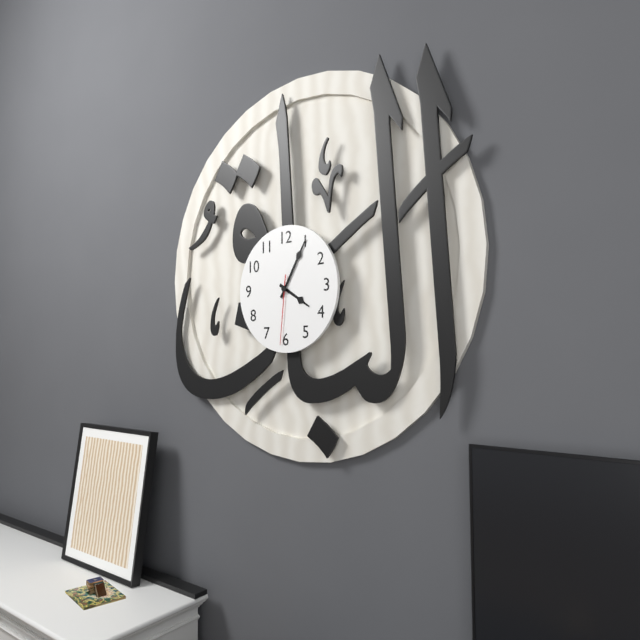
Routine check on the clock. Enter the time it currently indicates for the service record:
4:05:31
